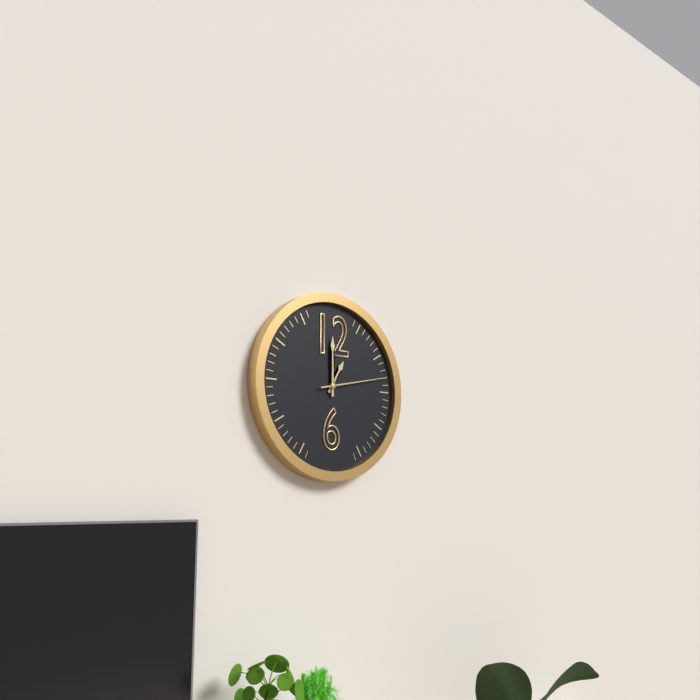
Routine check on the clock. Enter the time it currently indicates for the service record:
1:00:13
